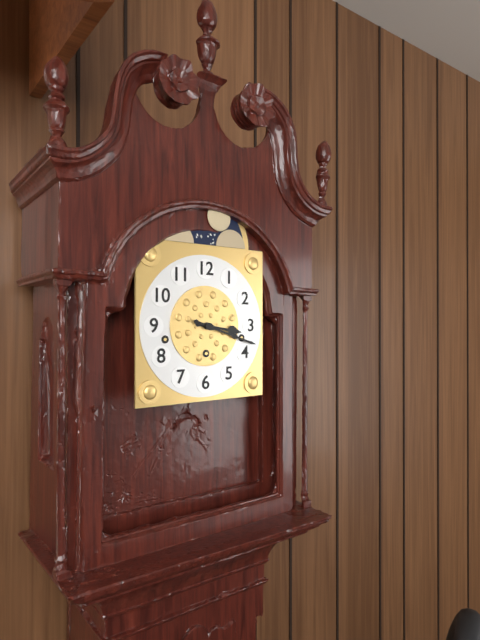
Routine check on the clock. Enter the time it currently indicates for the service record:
3:18
